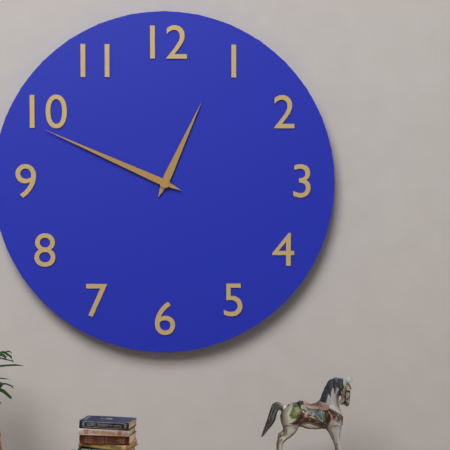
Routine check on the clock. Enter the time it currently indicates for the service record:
12:49
